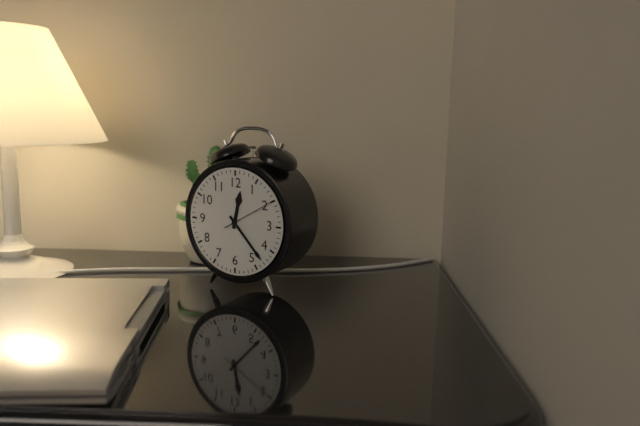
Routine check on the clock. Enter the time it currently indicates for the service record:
12:23:10
